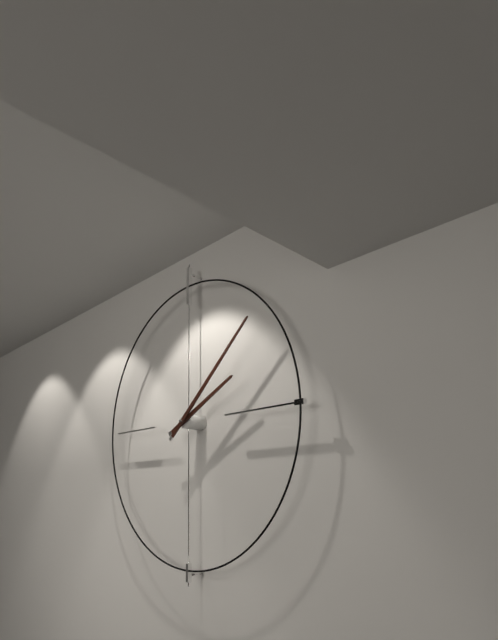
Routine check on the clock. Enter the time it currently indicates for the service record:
2:08
